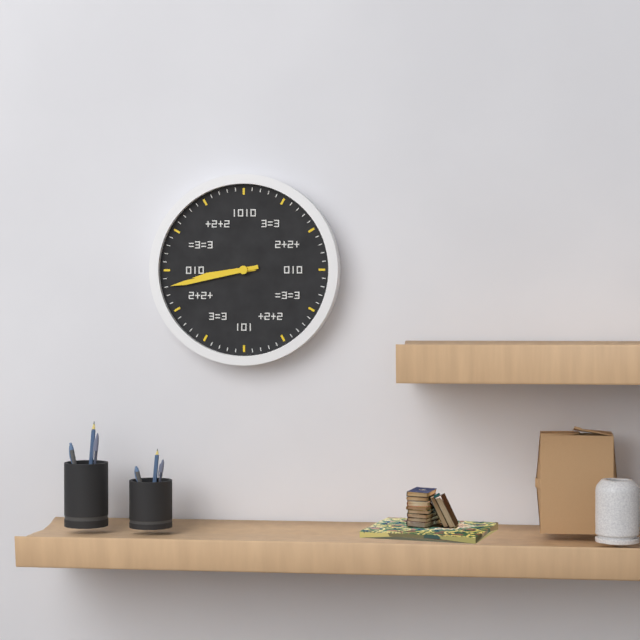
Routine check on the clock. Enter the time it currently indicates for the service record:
8:43
